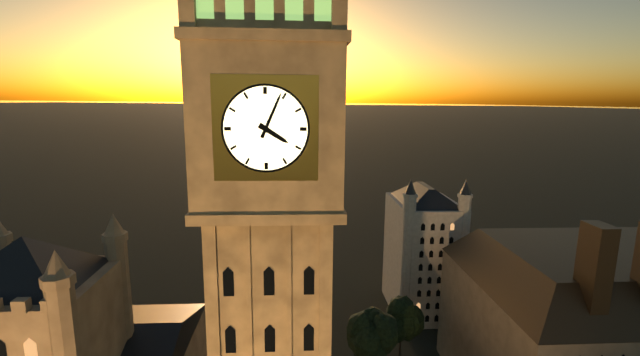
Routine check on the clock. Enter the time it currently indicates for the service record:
4:04
